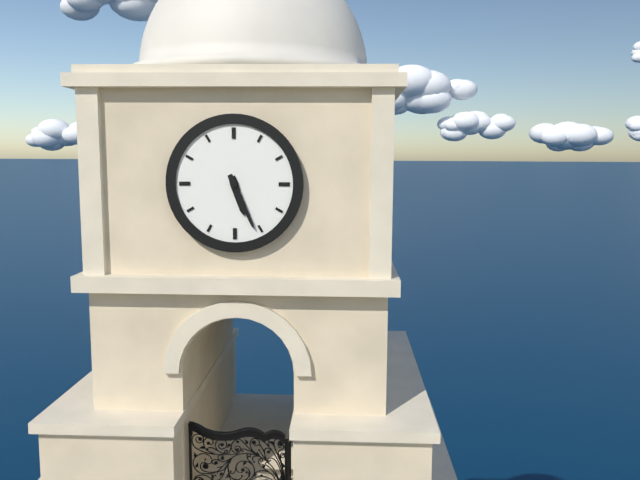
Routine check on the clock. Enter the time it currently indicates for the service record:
5:26
